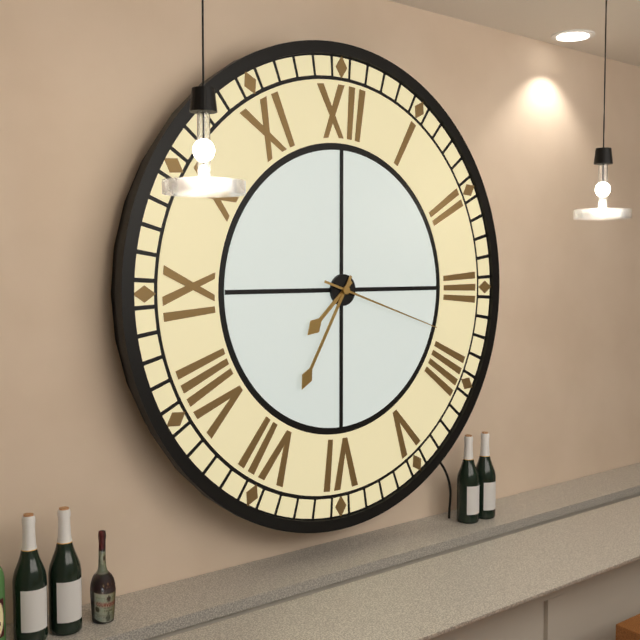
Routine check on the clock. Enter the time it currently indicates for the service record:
7:35:18
